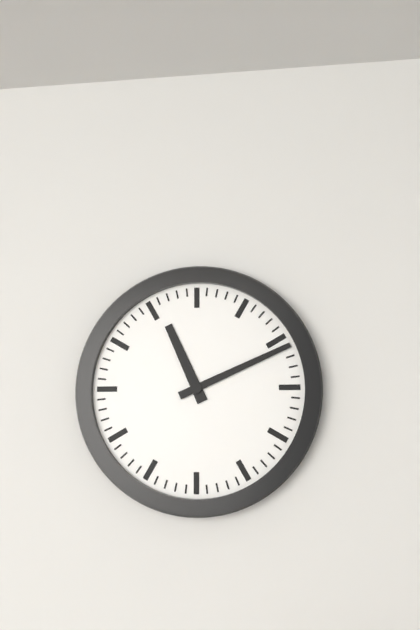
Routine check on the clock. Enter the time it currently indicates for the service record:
11:11
